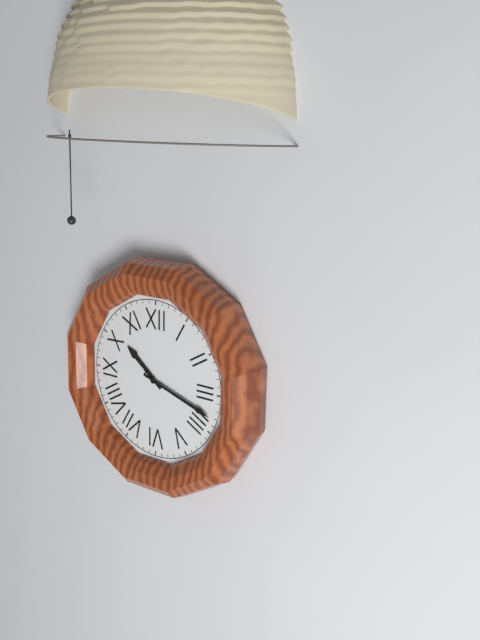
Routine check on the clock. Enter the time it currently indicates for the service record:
10:18
